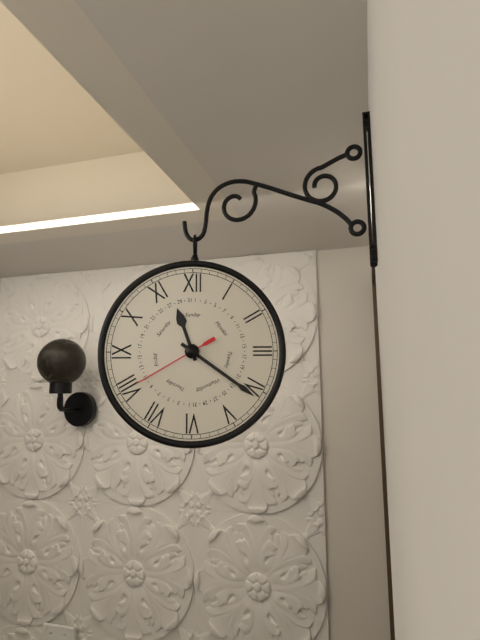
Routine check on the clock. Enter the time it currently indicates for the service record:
11:21:40
